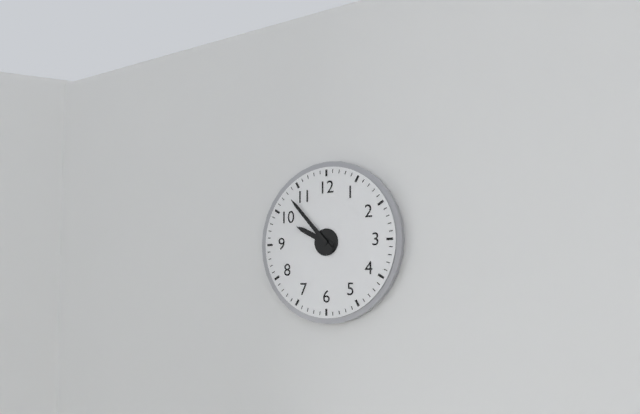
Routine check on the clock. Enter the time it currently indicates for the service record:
9:53
